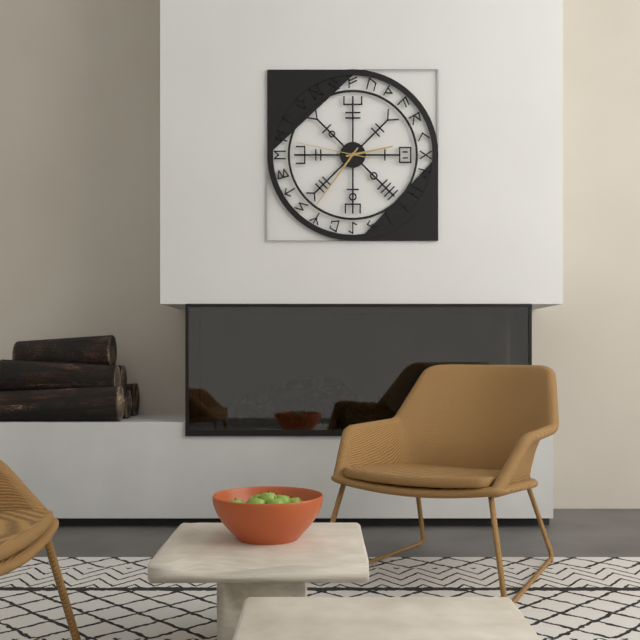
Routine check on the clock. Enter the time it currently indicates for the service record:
2:36:47
